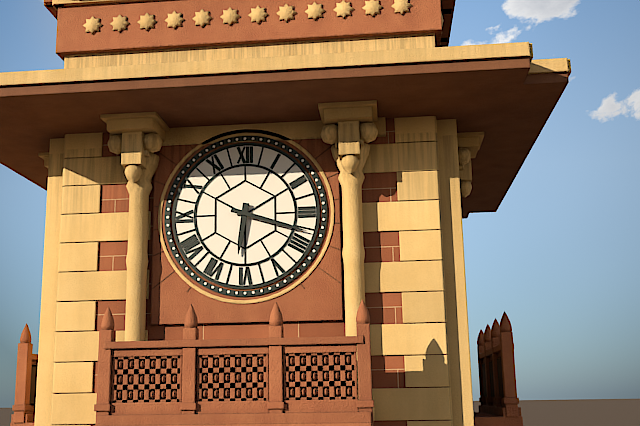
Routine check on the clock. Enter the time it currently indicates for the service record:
6:18
